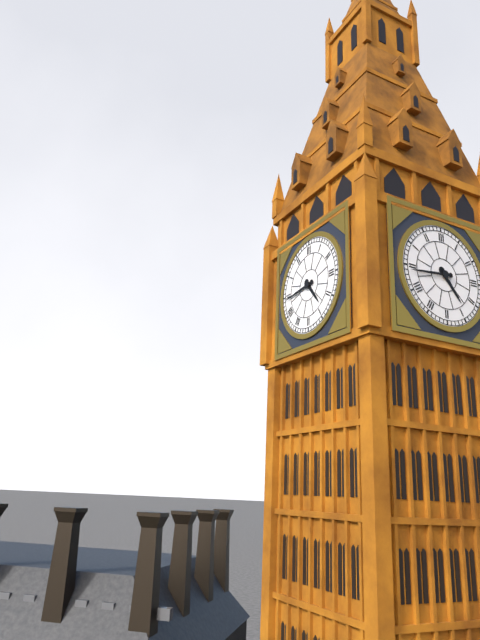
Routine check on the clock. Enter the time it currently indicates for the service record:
4:44
